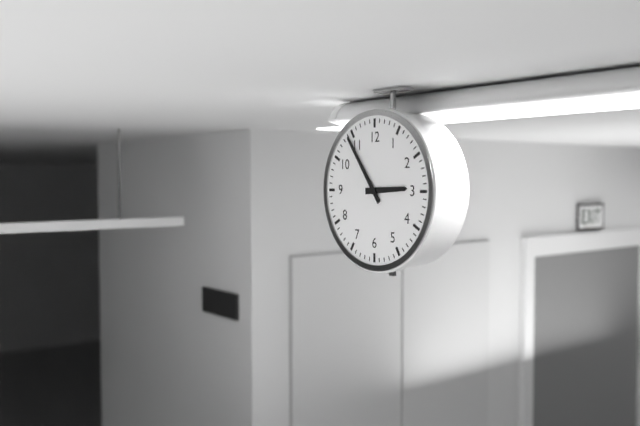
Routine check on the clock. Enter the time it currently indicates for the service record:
2:54
